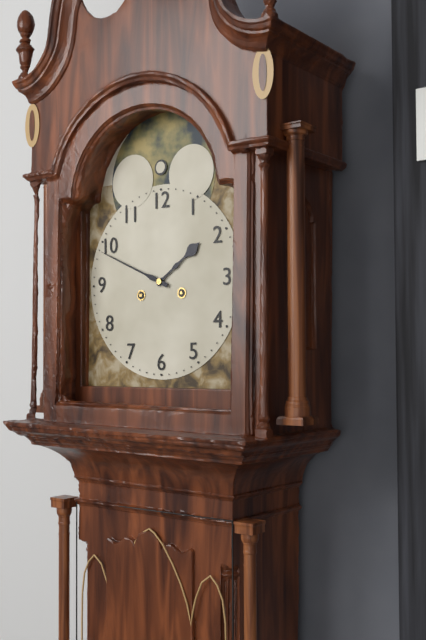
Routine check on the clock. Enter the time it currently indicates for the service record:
1:49
